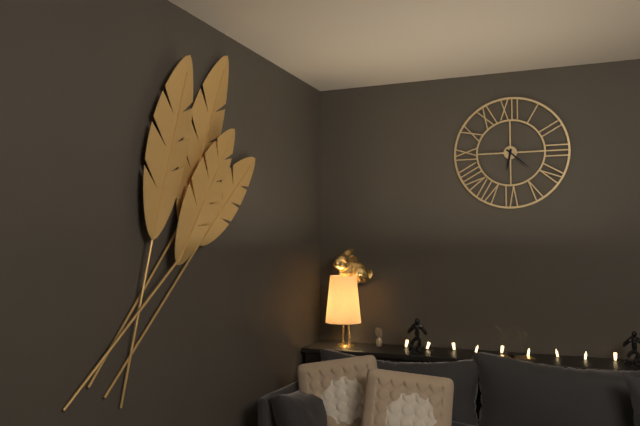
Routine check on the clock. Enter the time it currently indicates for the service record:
6:22
